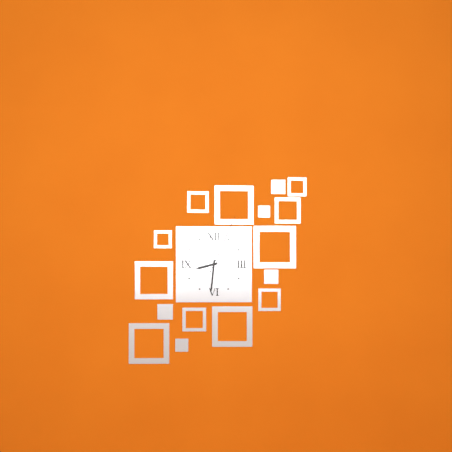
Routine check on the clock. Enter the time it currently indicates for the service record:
8:31:04
